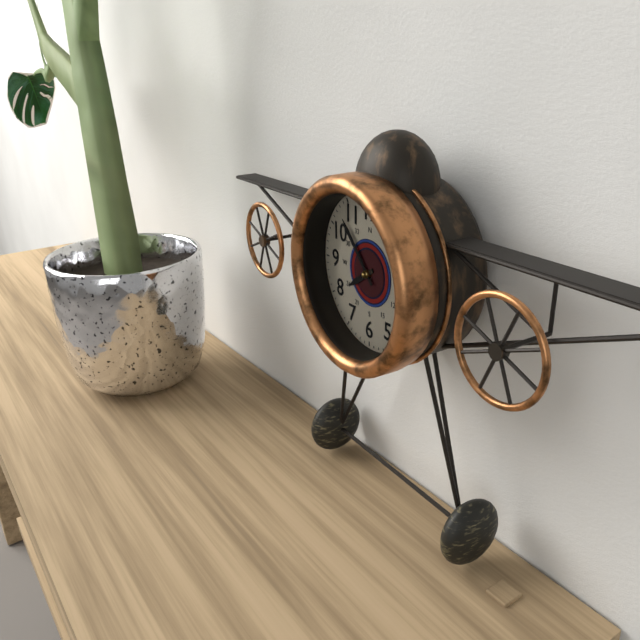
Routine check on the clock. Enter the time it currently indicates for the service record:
7:53
